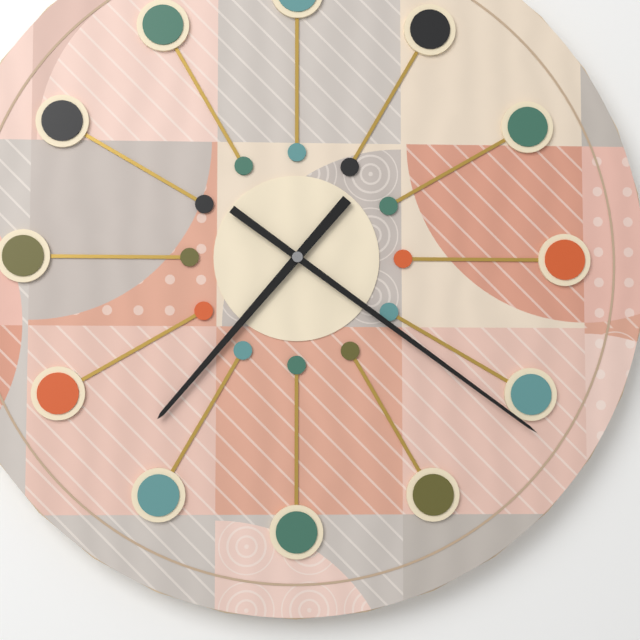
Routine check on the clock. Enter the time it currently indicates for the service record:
7:21
